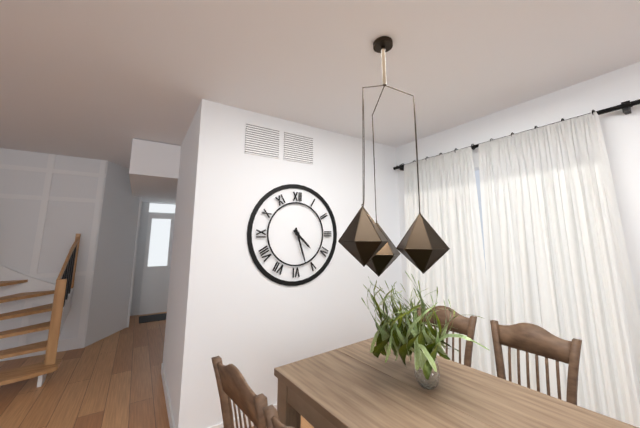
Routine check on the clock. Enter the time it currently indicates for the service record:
4:27
